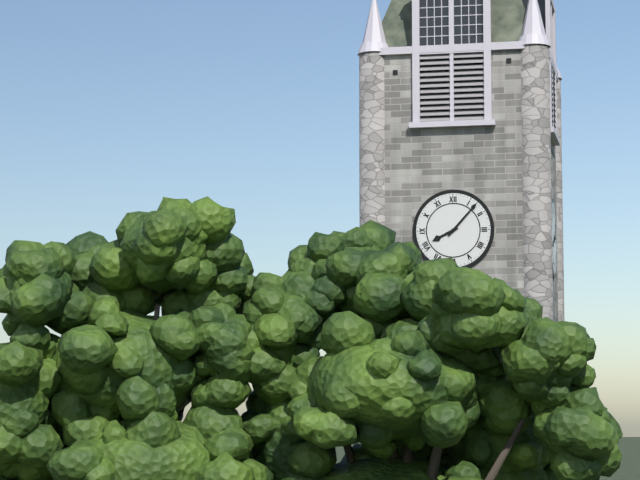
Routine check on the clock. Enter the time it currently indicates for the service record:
8:07
